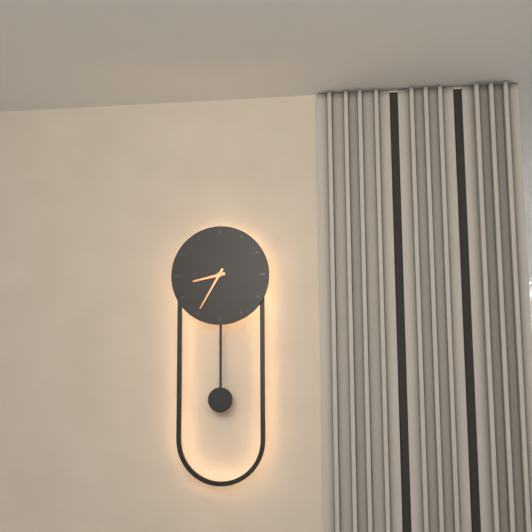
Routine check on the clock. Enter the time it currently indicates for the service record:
8:35
